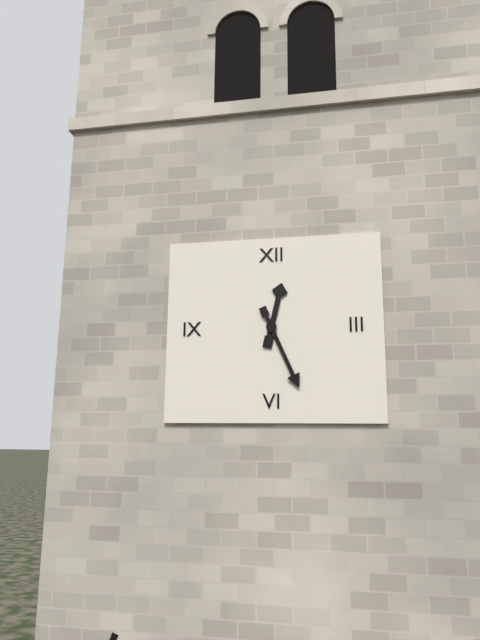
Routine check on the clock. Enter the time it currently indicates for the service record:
12:26
